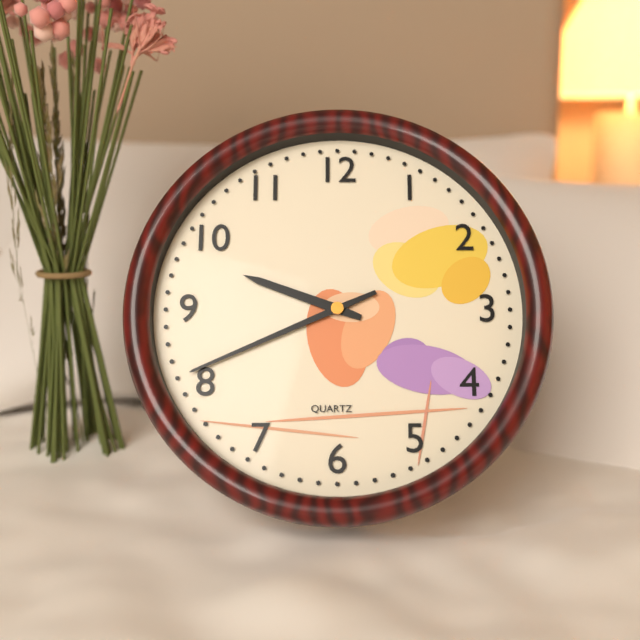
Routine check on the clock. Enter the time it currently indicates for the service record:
9:41
